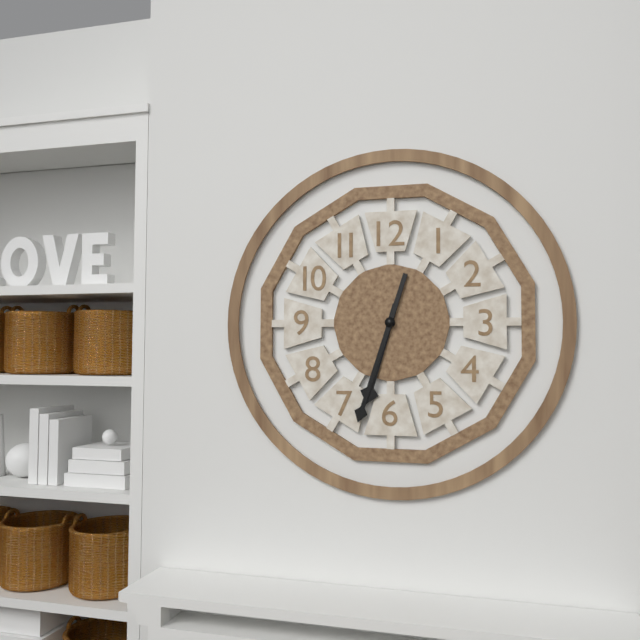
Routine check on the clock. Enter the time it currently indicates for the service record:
6:33
